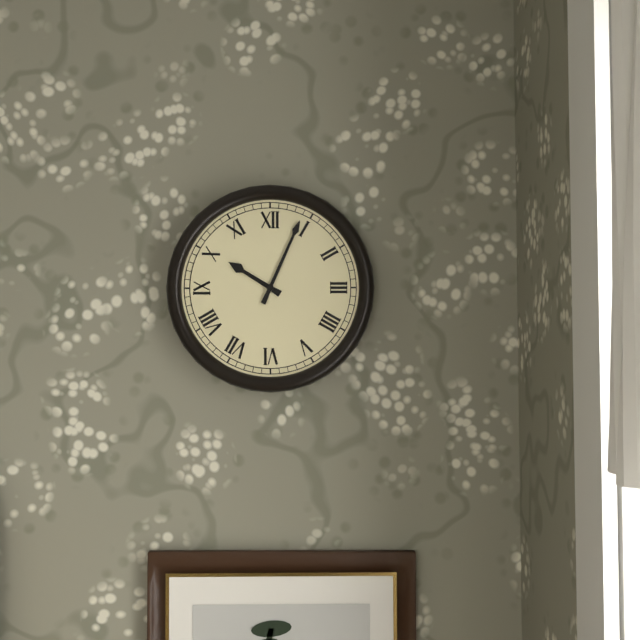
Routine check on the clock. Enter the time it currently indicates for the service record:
10:04
